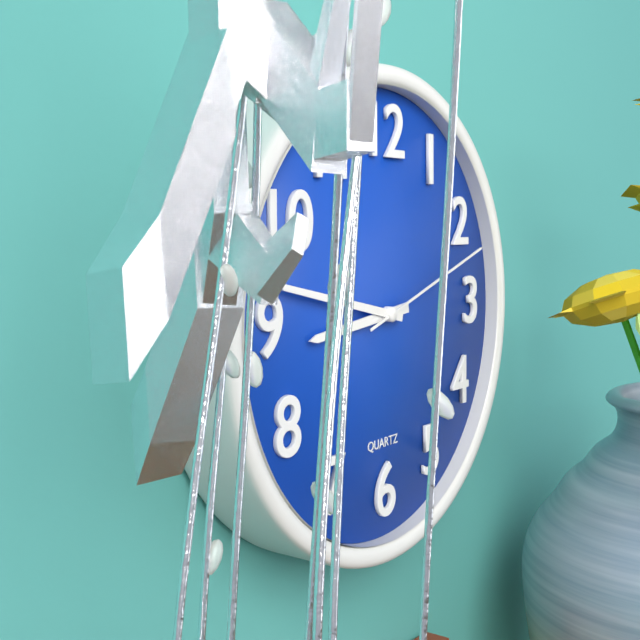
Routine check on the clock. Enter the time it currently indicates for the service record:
8:47:12
